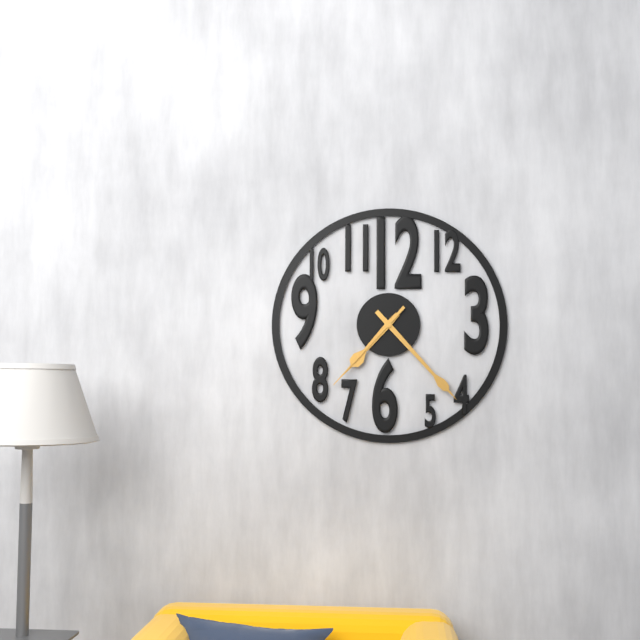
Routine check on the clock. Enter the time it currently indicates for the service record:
7:23:37
